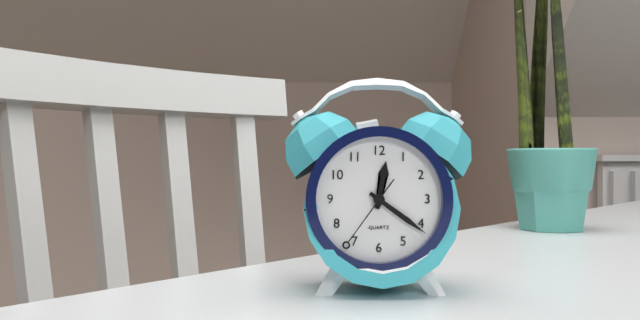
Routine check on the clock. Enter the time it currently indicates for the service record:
12:21:36
